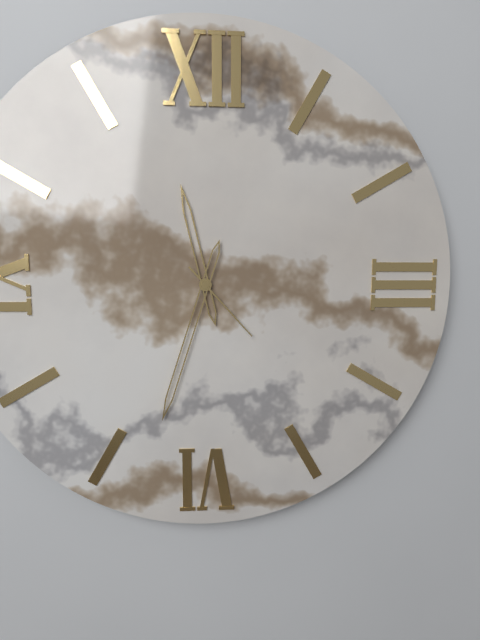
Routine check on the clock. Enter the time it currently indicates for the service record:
11:33:23
